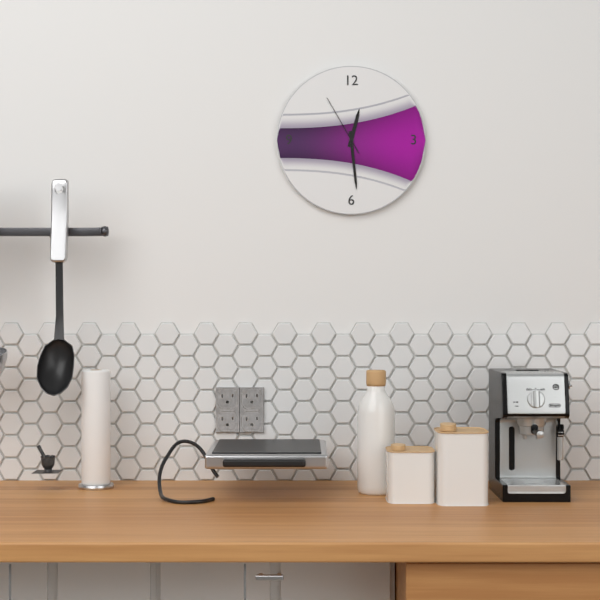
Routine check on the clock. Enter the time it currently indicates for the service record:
12:29:55
